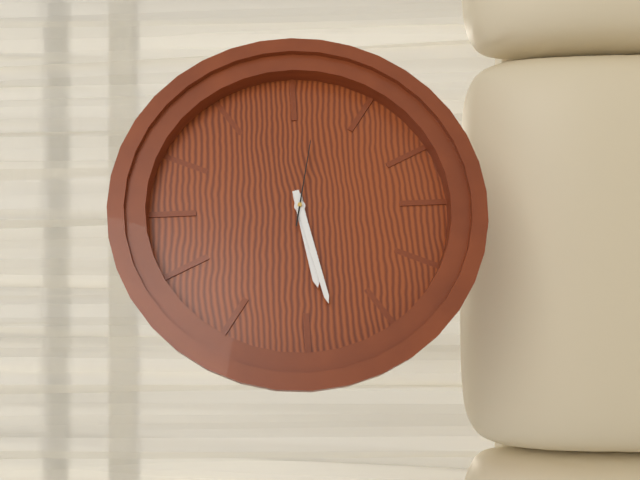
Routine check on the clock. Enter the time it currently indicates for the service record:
8:43:17
